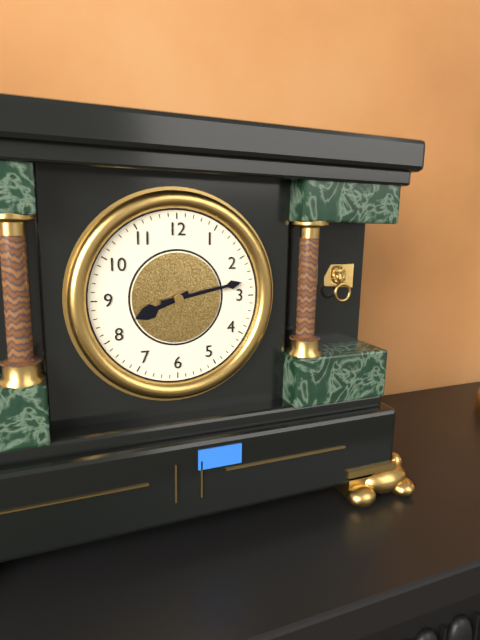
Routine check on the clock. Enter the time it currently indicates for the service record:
8:13
